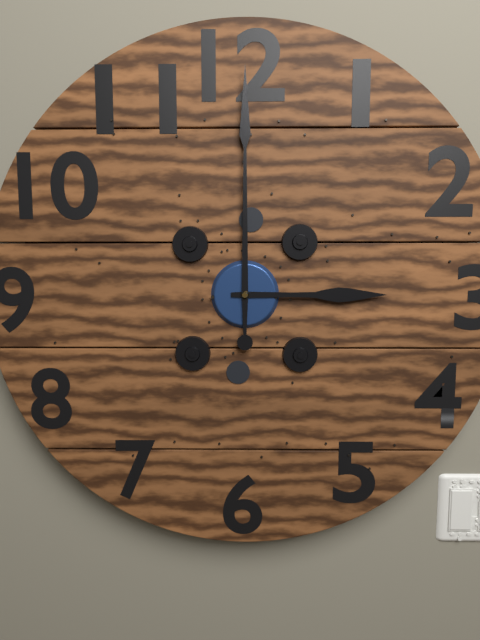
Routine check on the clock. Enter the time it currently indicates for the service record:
3:00
